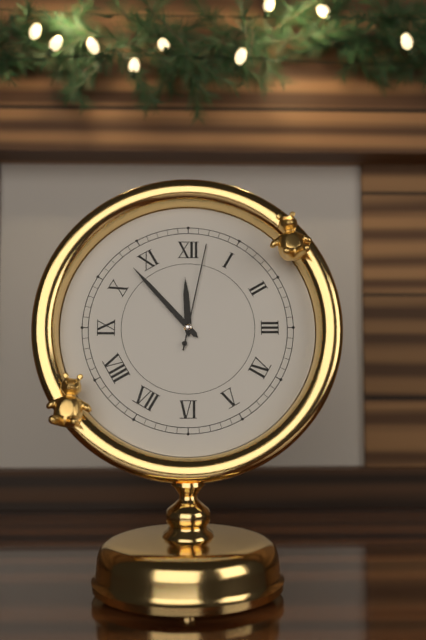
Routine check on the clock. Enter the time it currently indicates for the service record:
11:53:02
